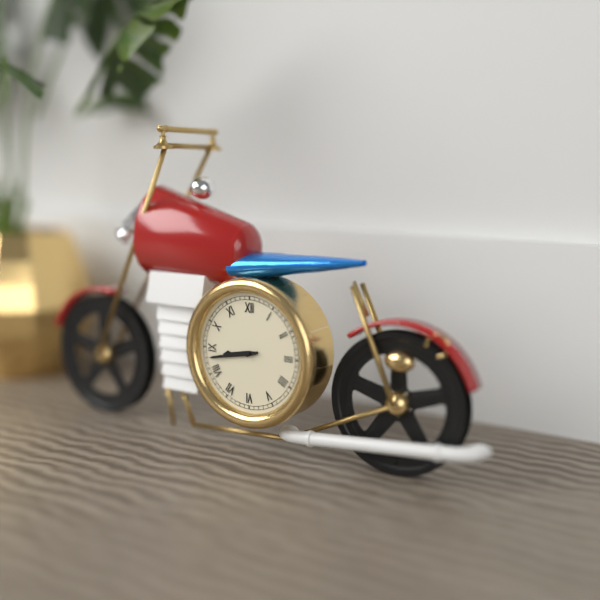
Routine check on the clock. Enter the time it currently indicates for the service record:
8:43
